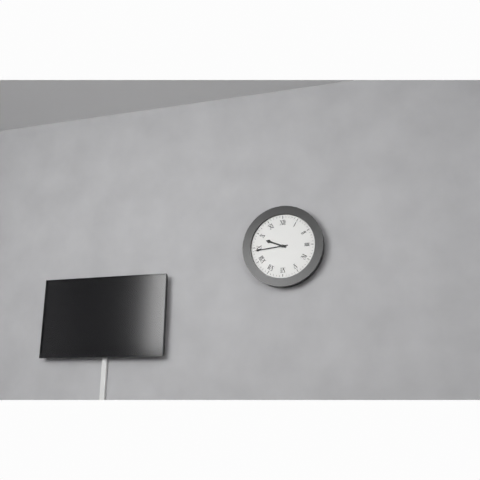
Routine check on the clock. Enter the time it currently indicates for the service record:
9:44
